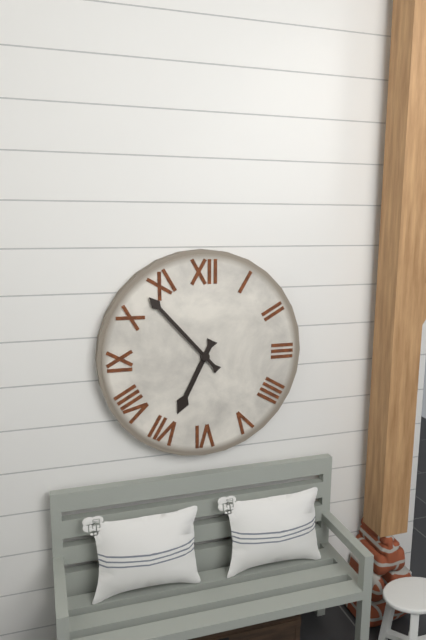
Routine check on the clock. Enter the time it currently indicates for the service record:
6:53
